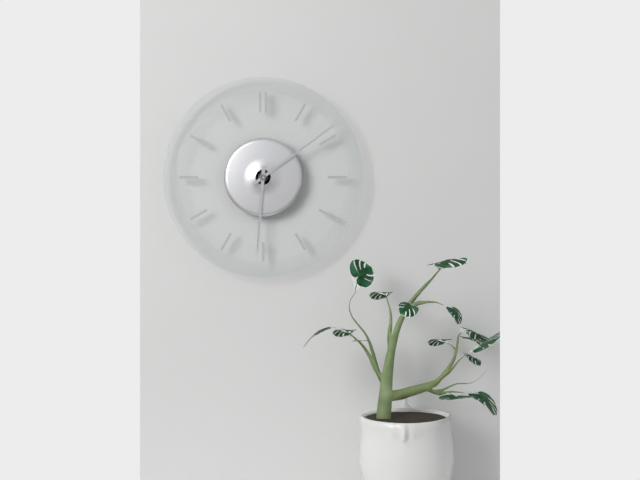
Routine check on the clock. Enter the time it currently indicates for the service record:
6:09
